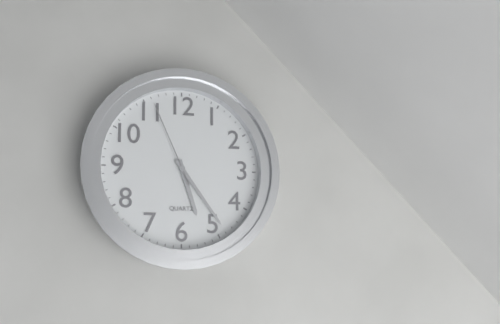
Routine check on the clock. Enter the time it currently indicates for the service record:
5:24:56
